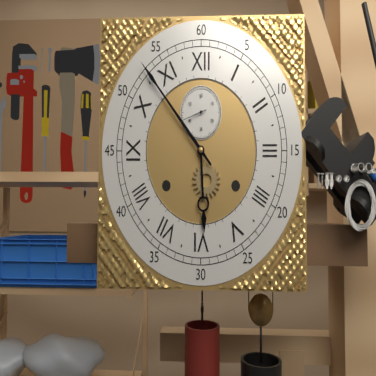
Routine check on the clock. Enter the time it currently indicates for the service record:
5:53
